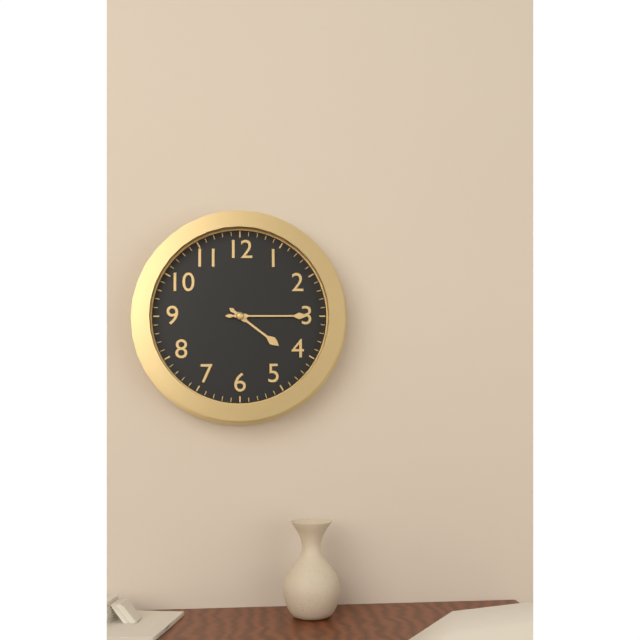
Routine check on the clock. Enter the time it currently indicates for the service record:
4:15
